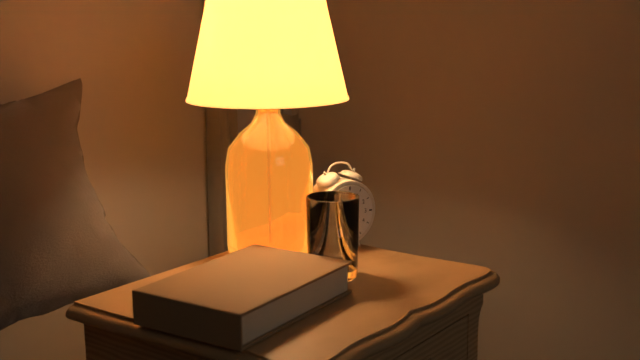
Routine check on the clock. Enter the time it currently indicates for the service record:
12:49
